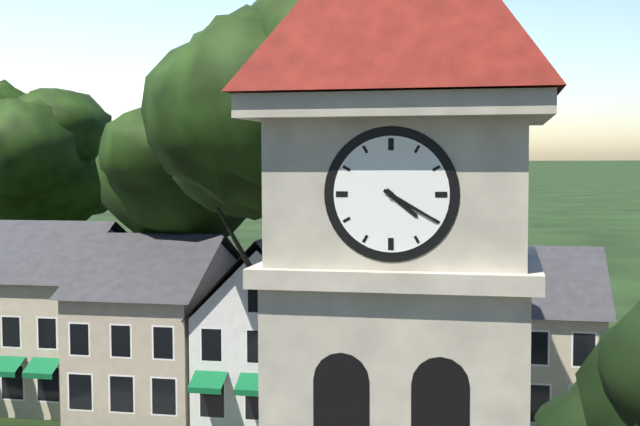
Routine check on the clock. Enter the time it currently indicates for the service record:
4:20
